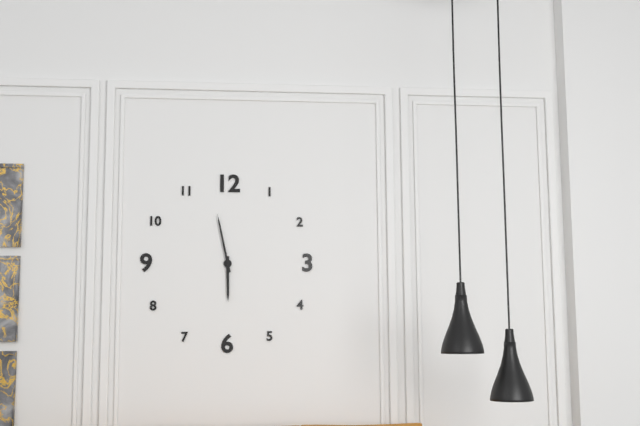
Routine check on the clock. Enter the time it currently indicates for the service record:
5:58
